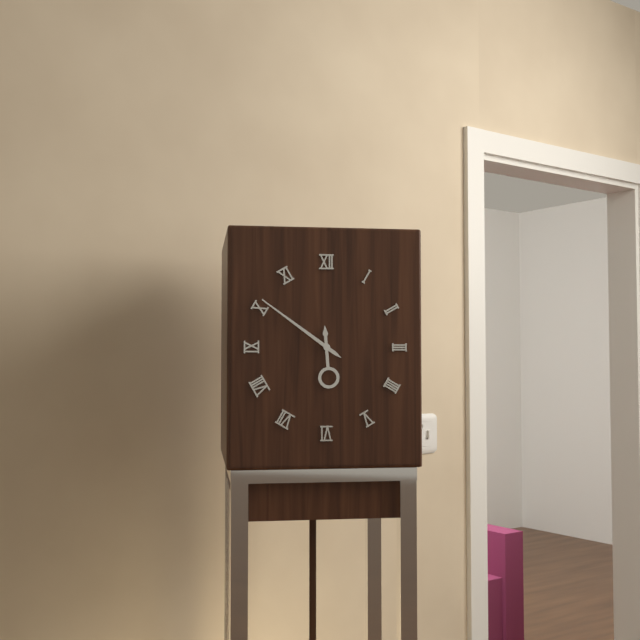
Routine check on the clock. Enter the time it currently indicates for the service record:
5:51
